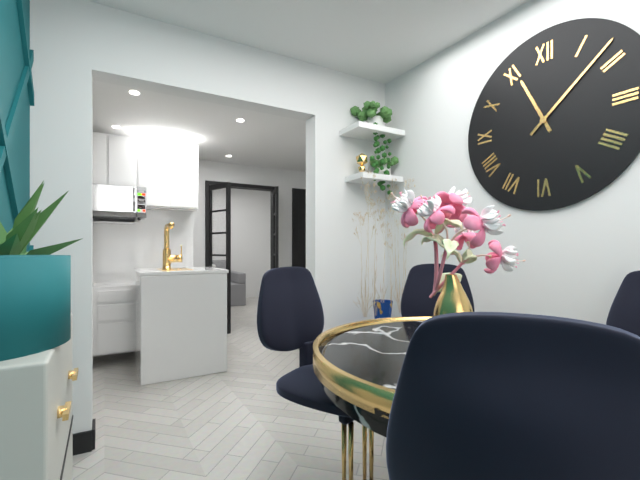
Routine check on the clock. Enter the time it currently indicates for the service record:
11:08
